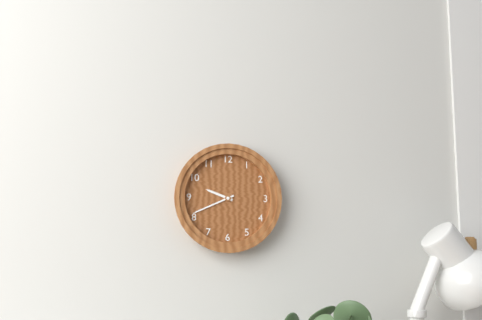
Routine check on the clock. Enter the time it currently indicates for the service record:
9:41
